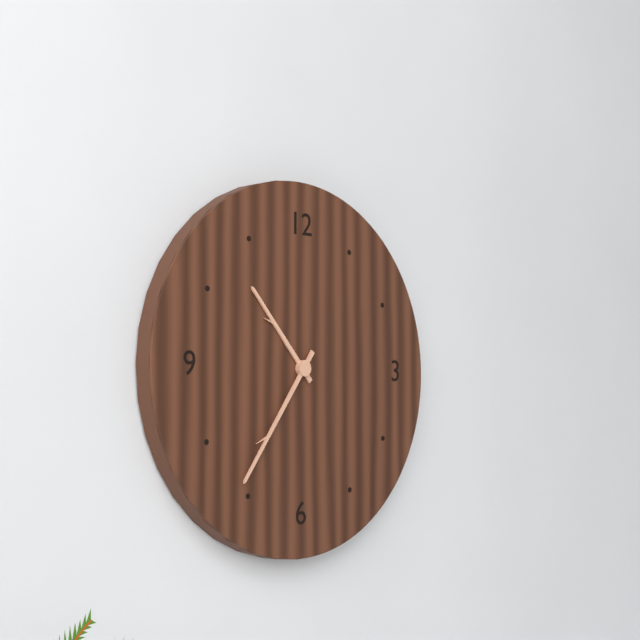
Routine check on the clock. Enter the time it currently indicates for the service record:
10:36
